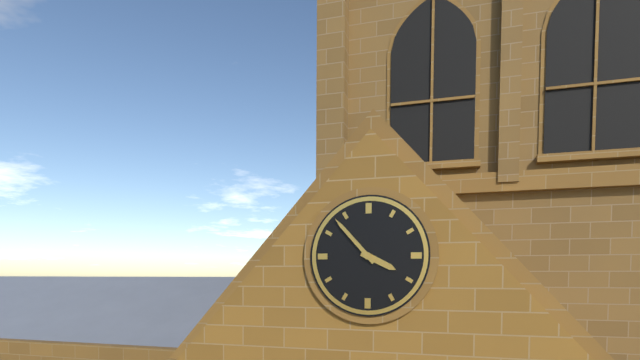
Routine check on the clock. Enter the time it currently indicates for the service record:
3:53
